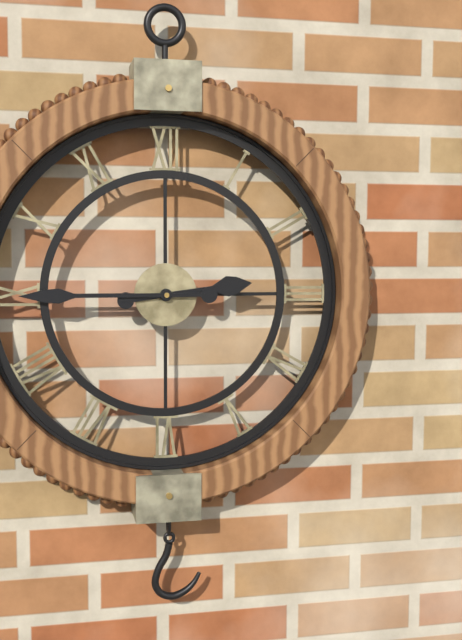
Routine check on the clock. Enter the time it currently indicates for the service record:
2:45
